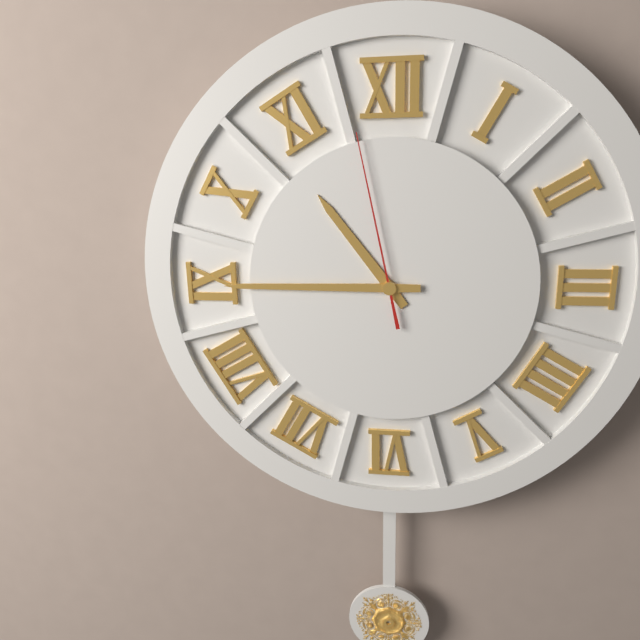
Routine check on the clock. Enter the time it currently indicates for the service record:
10:45:58
